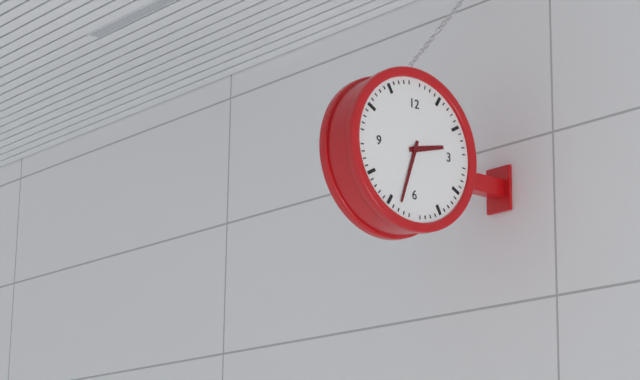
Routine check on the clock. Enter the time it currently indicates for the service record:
2:33
